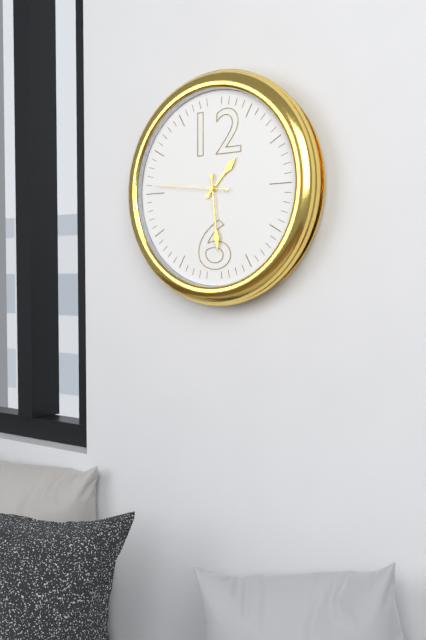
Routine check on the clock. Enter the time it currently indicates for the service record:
1:29:46
